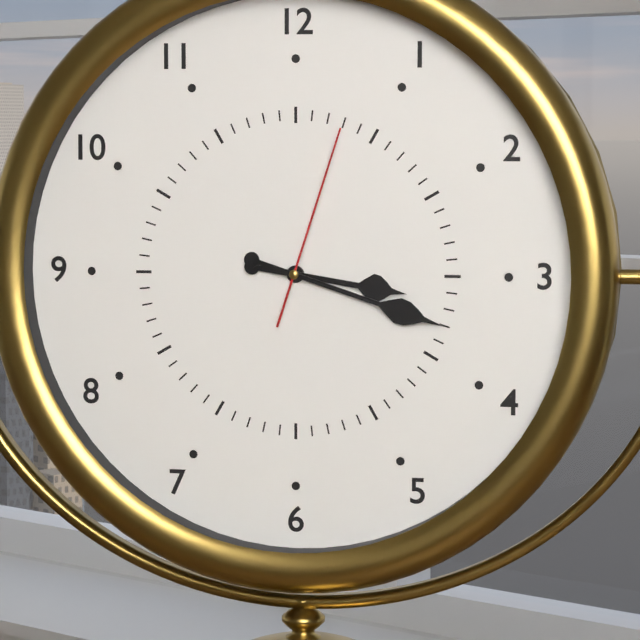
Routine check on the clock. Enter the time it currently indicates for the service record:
3:18:03
